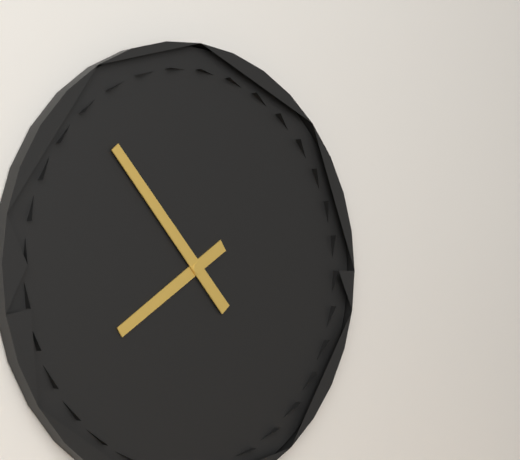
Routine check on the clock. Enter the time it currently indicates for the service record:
7:53
